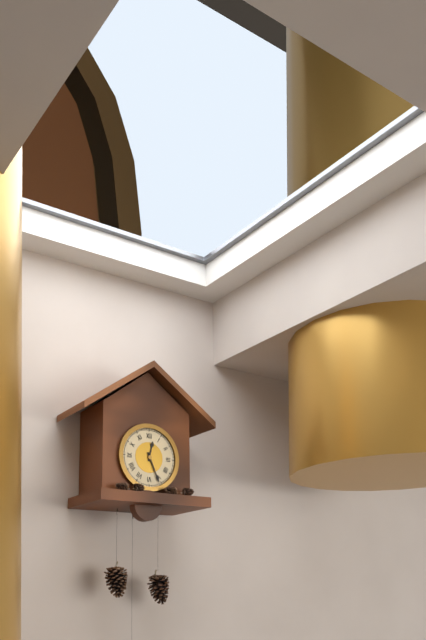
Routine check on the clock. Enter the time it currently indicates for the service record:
12:26
